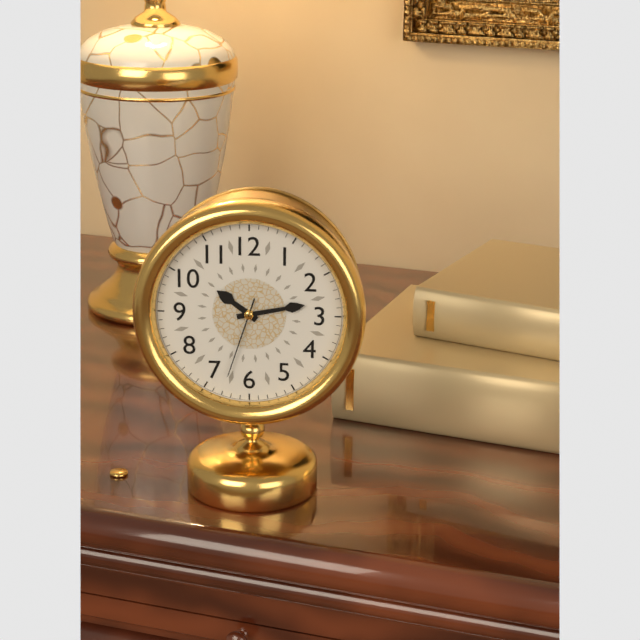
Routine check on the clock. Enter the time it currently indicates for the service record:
10:13:33
